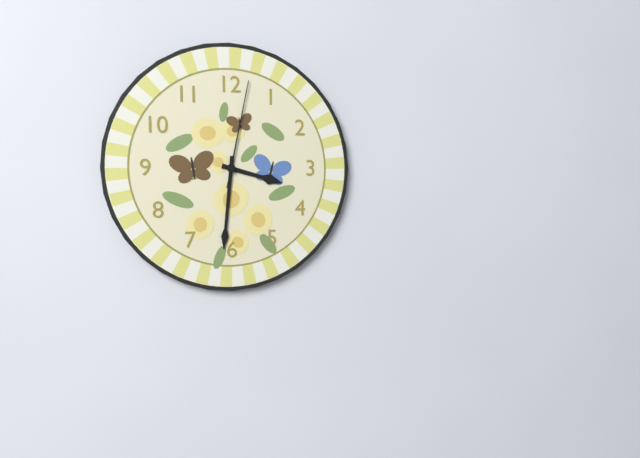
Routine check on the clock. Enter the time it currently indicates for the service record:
3:31:02
